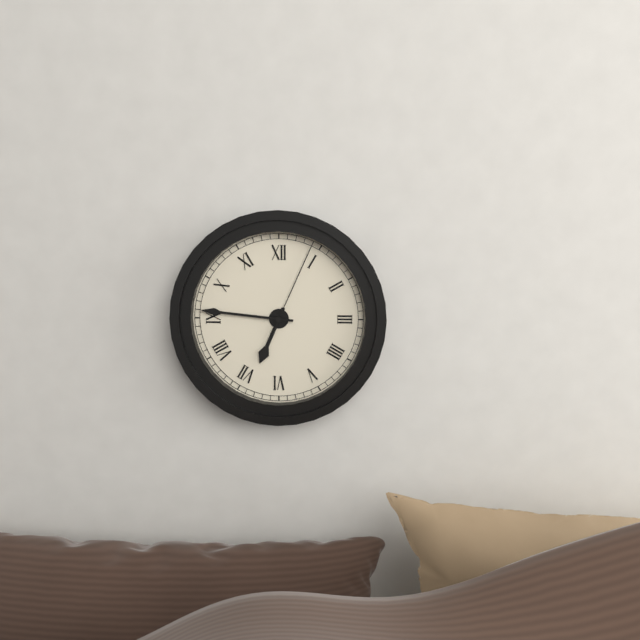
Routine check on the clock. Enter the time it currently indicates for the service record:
6:46:04
